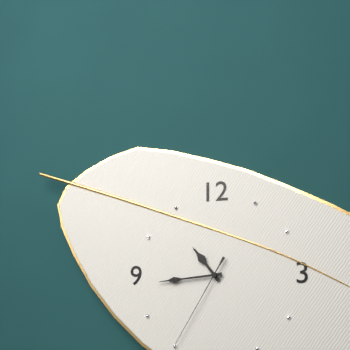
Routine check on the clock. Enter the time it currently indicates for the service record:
10:44:35
